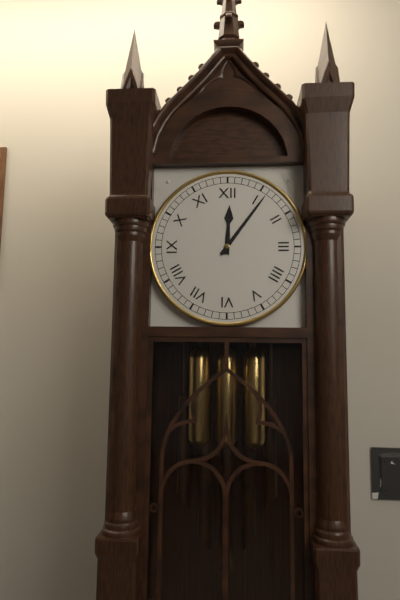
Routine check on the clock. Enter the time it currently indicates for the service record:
12:06
